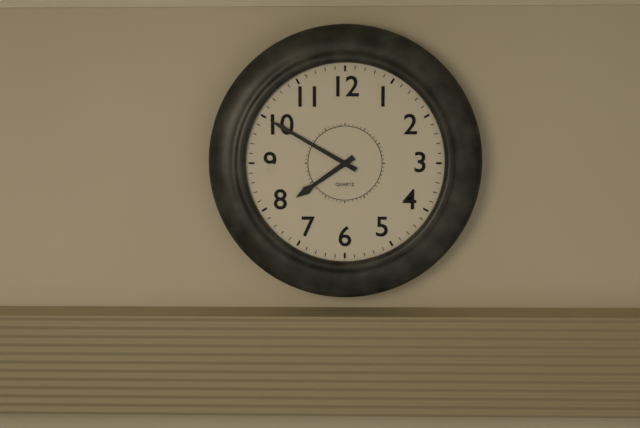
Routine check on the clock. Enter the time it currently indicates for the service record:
7:50
